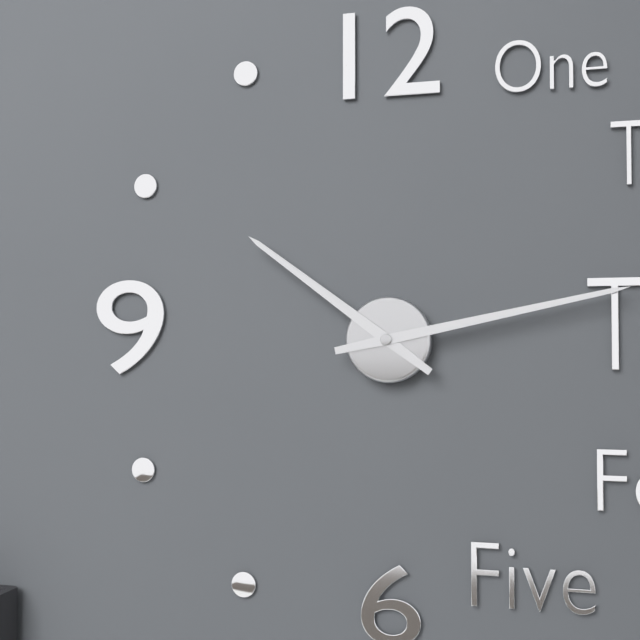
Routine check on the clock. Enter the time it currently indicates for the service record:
10:13
